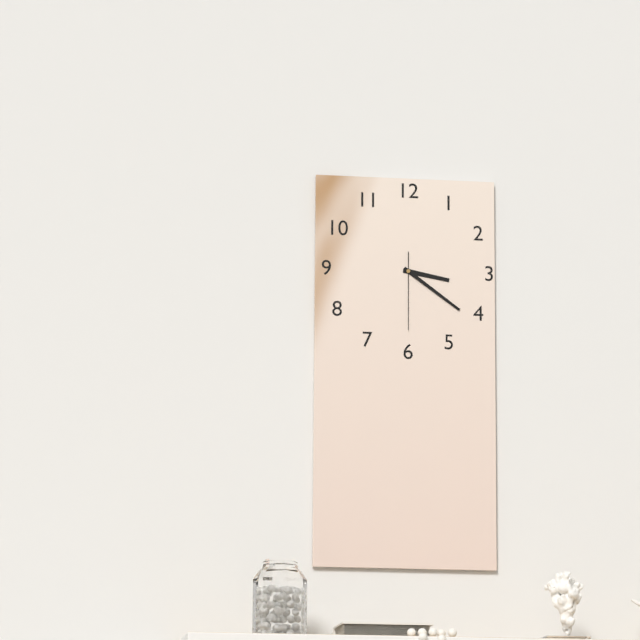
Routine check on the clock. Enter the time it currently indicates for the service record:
3:21:30
